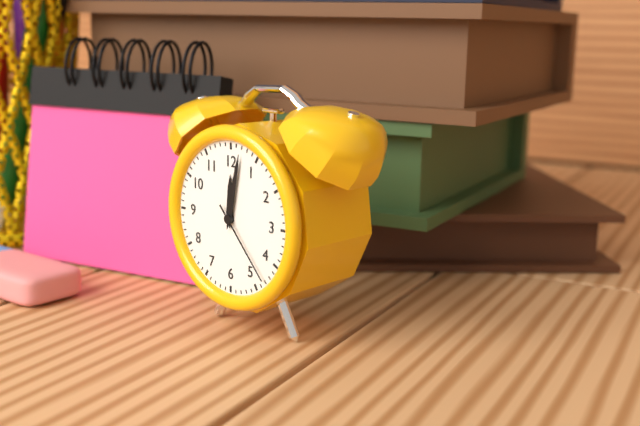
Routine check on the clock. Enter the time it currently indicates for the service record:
12:02:23
